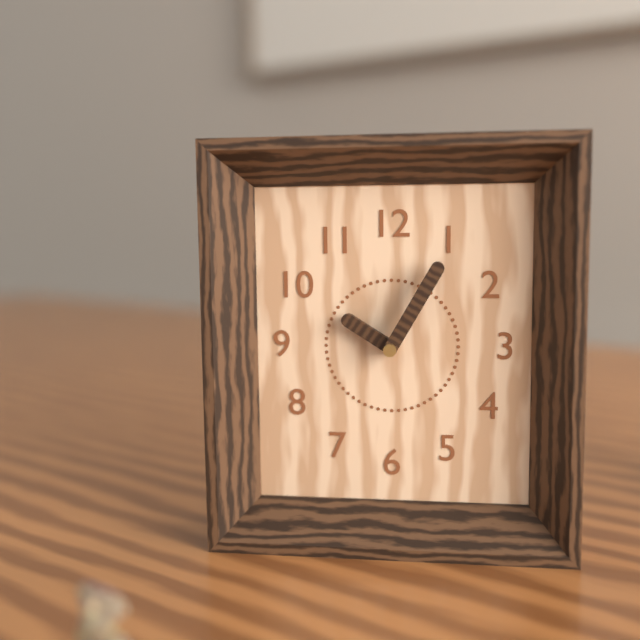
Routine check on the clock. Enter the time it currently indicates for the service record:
10:05
